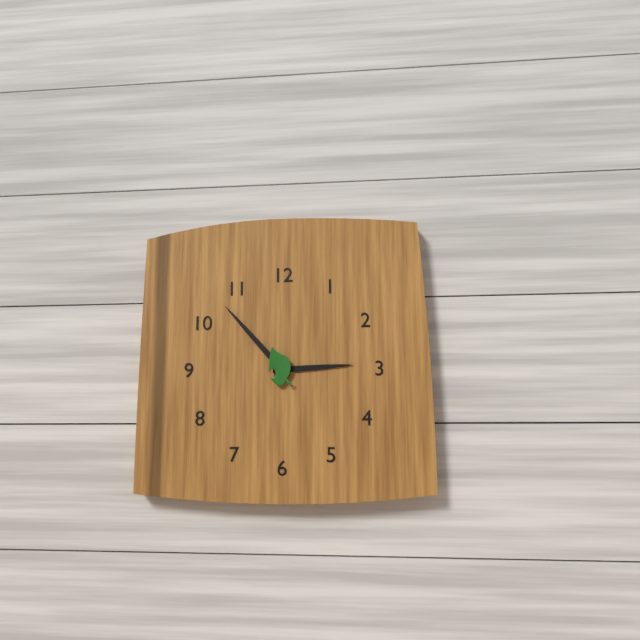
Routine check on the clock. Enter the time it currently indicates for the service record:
2:53
